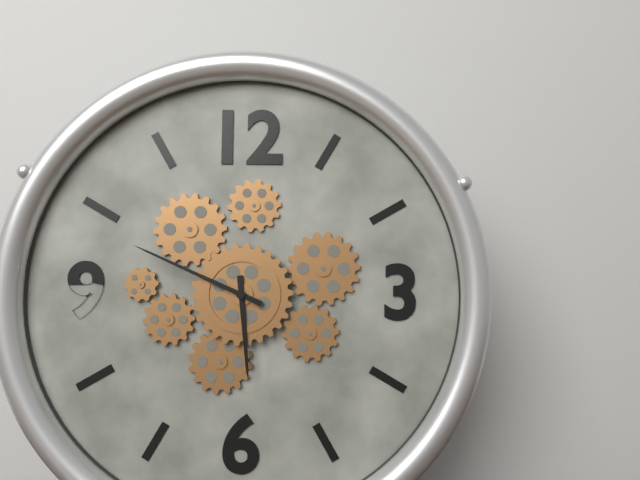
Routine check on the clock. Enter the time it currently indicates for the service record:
5:49
